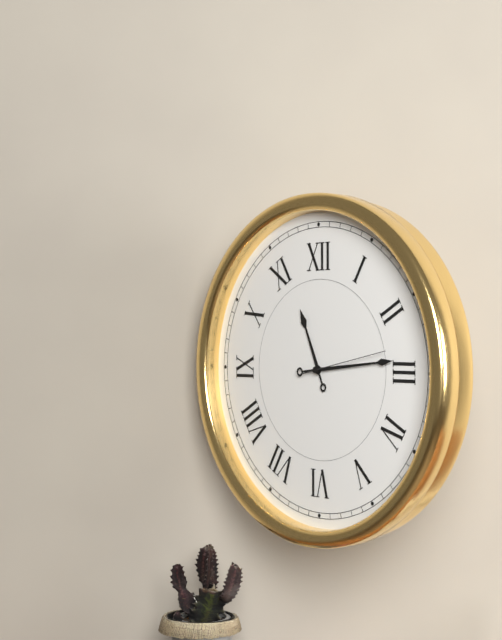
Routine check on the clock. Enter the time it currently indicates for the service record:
11:14:13
